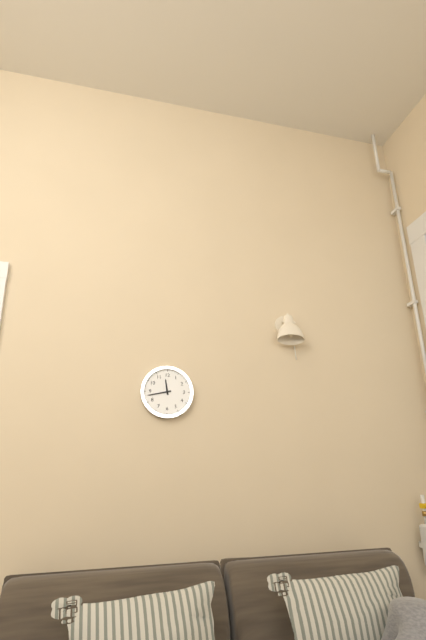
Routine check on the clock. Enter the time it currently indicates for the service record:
11:43
